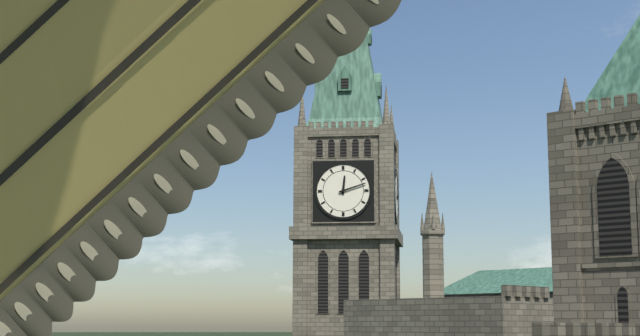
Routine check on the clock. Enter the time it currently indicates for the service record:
12:12
